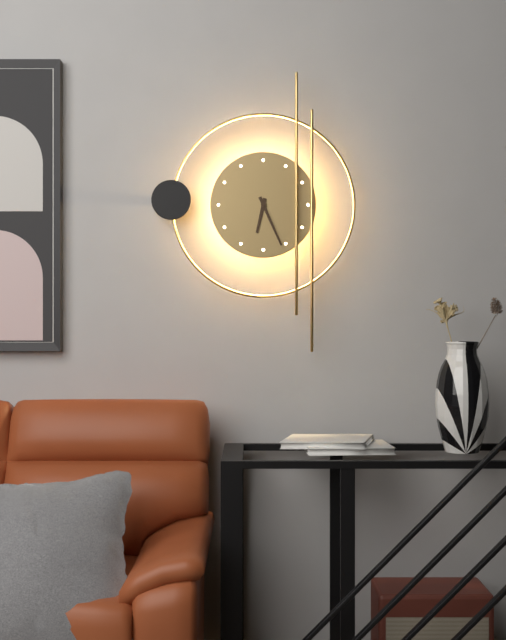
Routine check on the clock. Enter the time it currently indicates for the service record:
6:26
